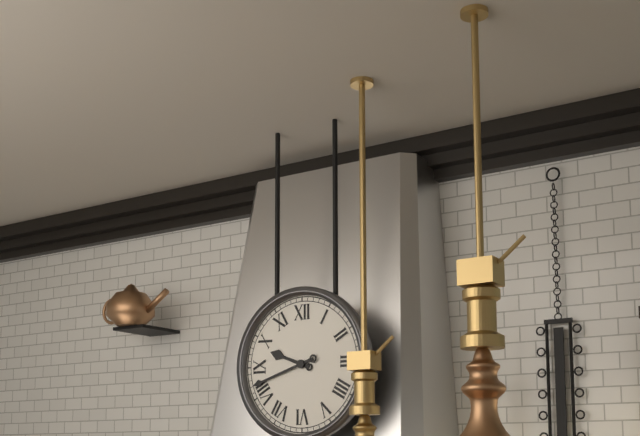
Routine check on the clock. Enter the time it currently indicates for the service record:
9:42
